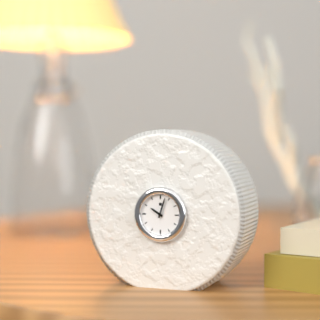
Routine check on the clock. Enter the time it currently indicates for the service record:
10:03
